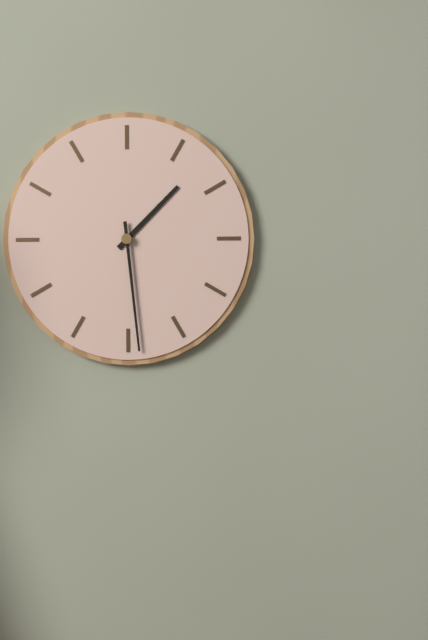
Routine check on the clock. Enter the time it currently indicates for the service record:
1:29
